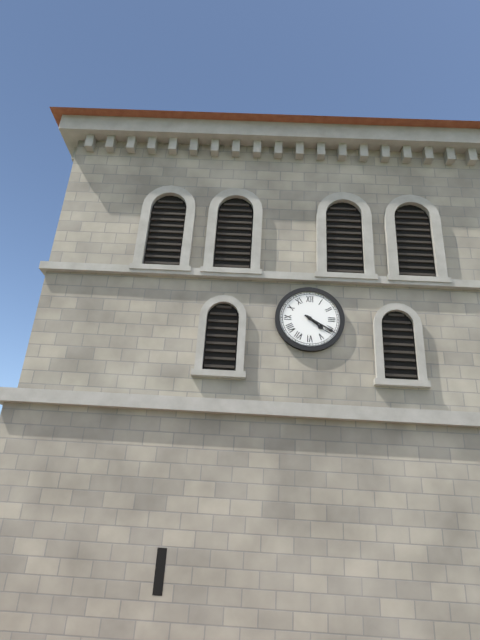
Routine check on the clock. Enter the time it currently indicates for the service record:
4:20
